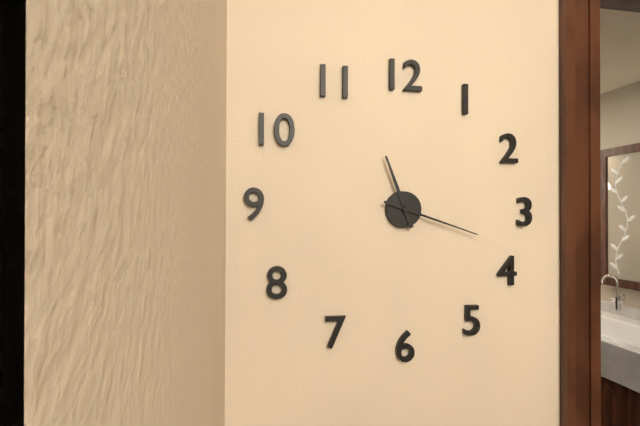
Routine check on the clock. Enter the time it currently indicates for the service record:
11:18
